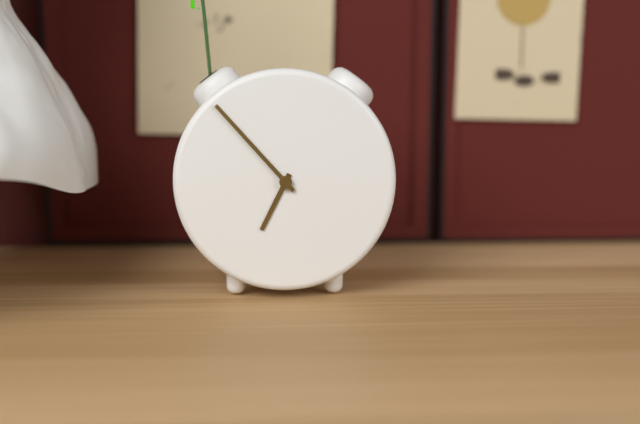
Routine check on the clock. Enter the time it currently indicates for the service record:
6:53
